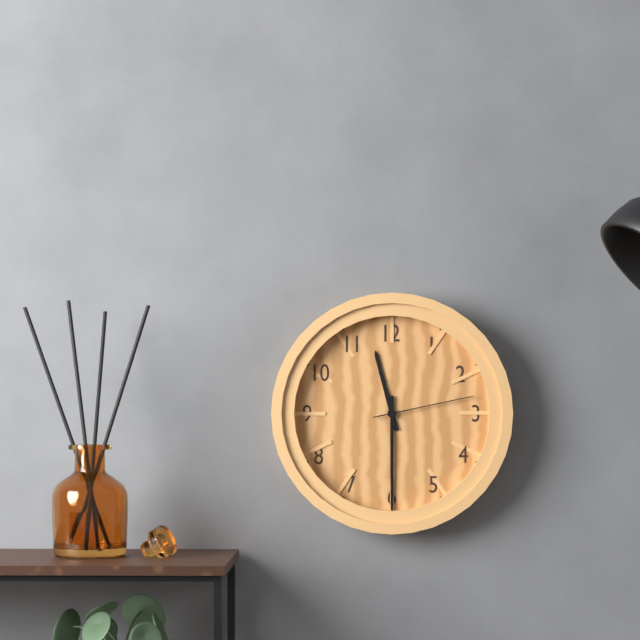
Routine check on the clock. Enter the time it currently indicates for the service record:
11:30:13
